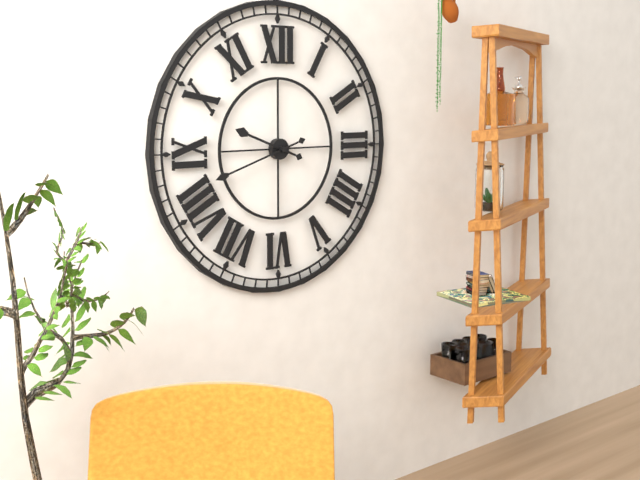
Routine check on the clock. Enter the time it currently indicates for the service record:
9:42
